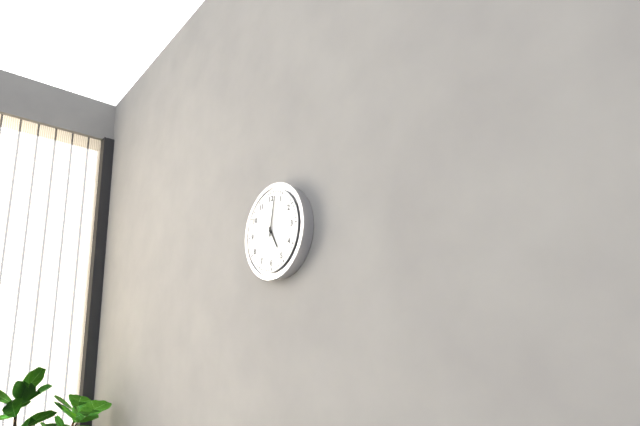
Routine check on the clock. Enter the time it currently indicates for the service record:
5:02
